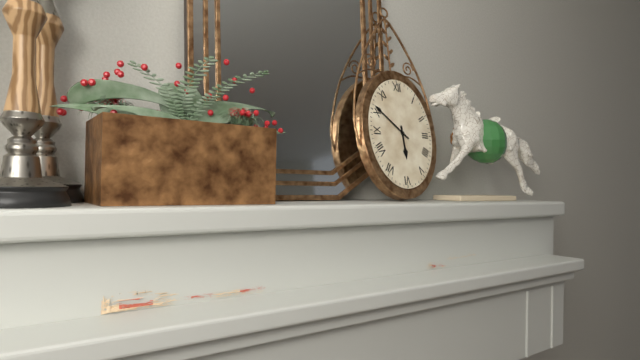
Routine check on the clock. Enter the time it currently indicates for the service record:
5:51
